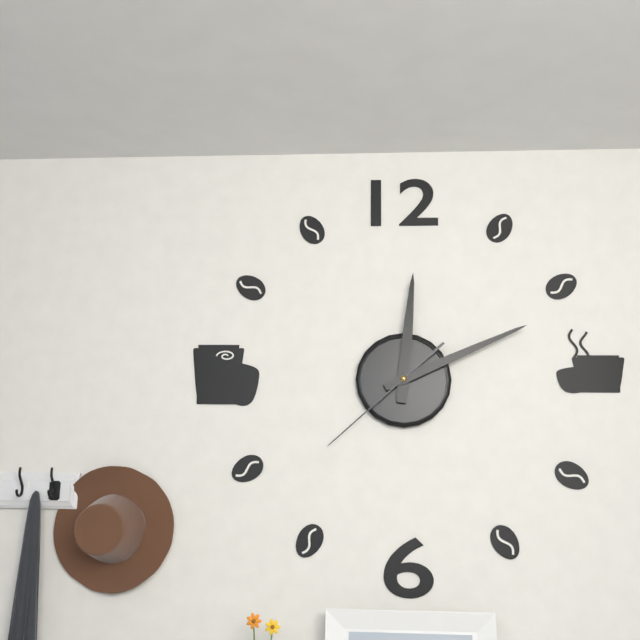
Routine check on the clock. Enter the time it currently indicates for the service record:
12:11:38
